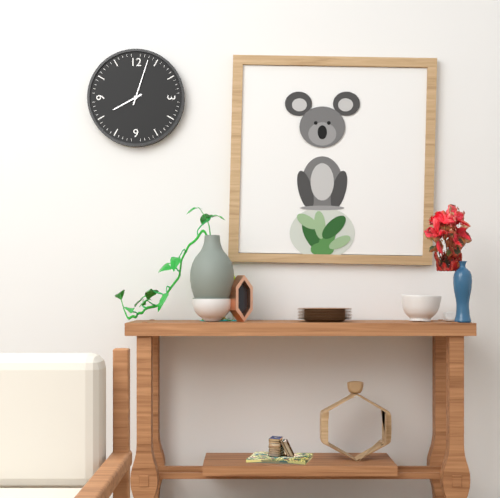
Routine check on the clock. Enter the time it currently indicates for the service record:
8:03
